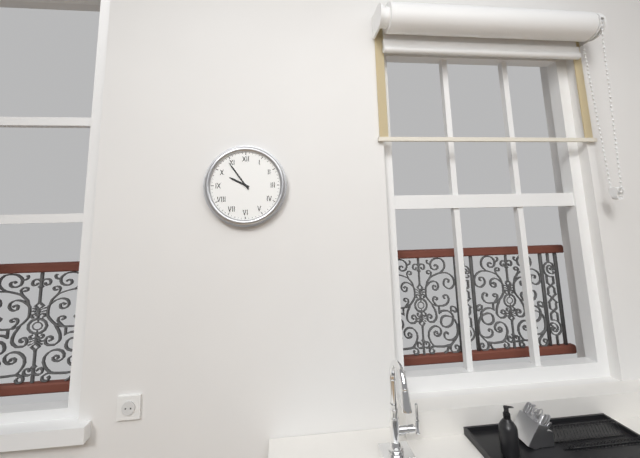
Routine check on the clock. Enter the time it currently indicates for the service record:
9:54
